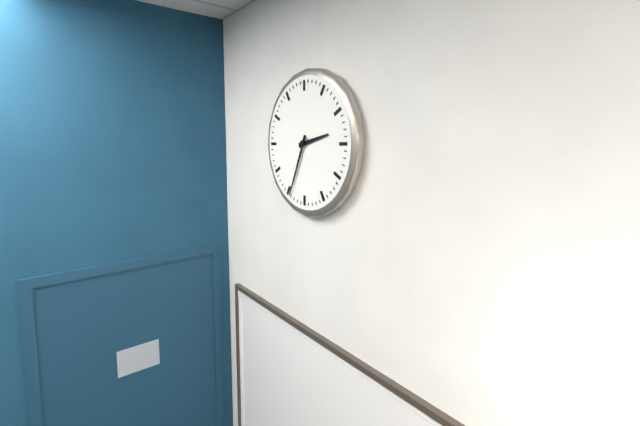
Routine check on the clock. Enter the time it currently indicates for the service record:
2:34
